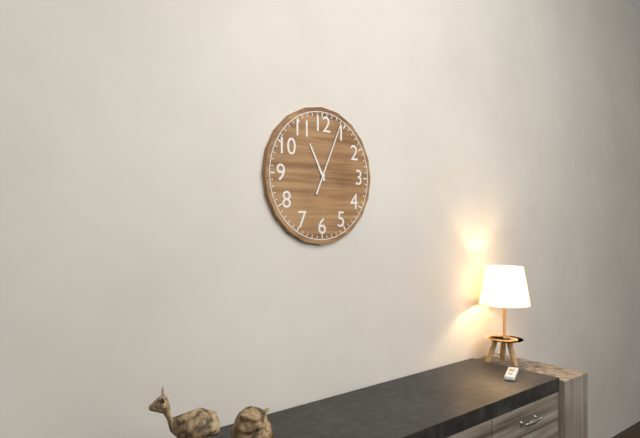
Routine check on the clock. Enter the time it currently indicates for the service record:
11:04
